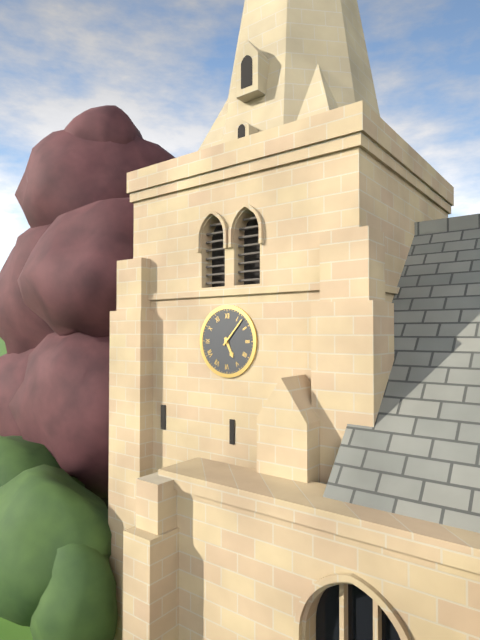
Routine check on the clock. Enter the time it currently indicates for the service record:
5:07
